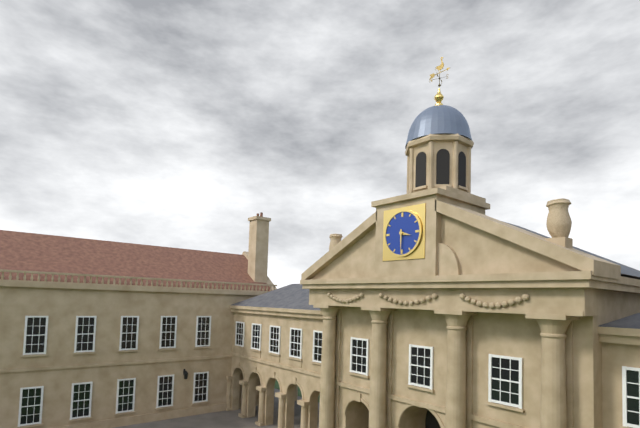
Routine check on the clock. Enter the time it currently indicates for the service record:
3:30
